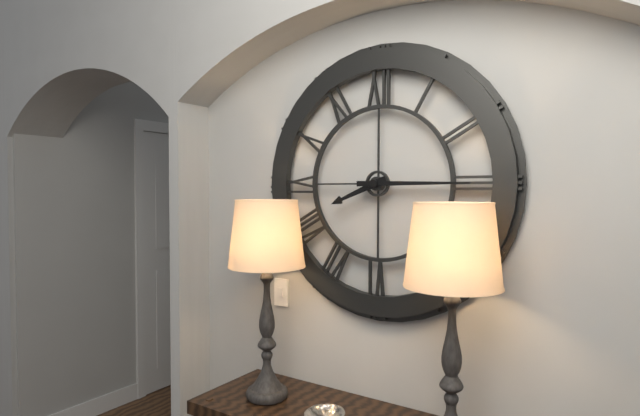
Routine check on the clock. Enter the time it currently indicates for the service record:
8:15
